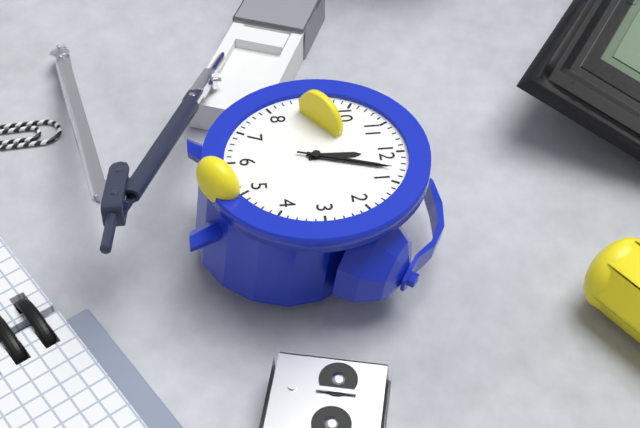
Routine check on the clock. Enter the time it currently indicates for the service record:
12:03:03
